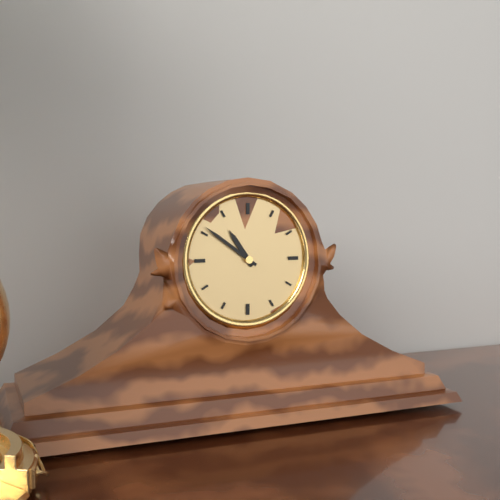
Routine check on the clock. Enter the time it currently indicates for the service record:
10:51
